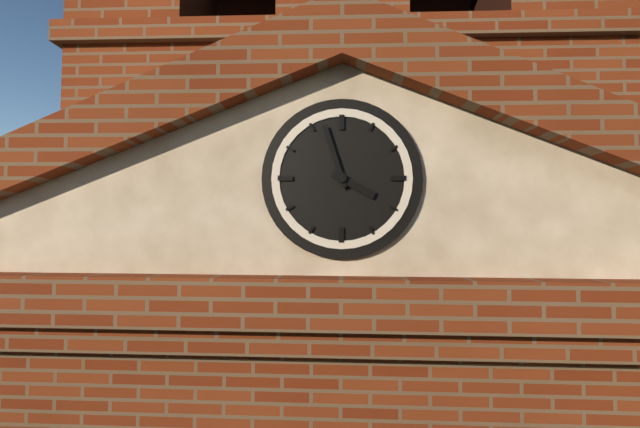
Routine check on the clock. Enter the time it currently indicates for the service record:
3:57
